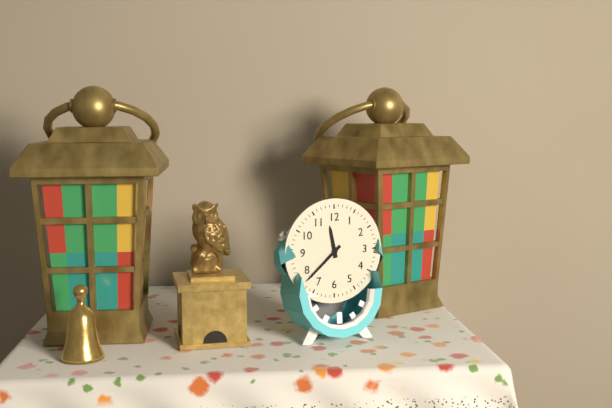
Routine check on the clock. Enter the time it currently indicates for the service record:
11:38
